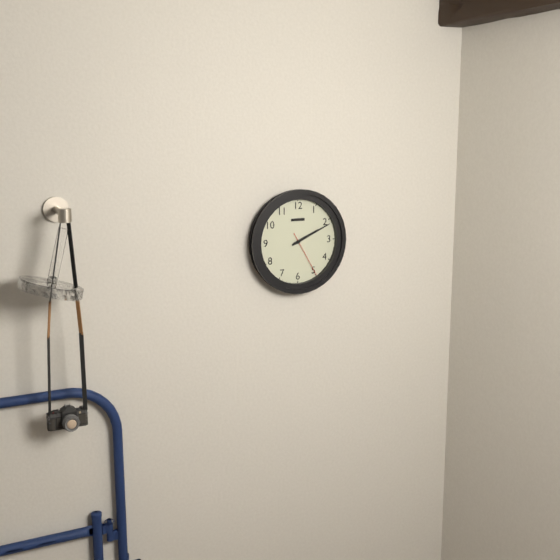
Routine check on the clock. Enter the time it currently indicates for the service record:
2:11
